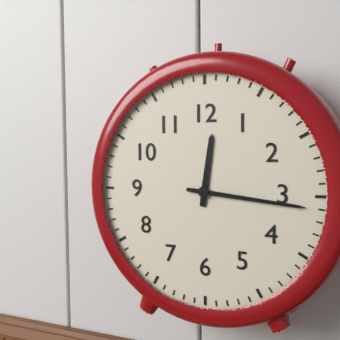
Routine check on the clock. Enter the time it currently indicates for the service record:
12:16
